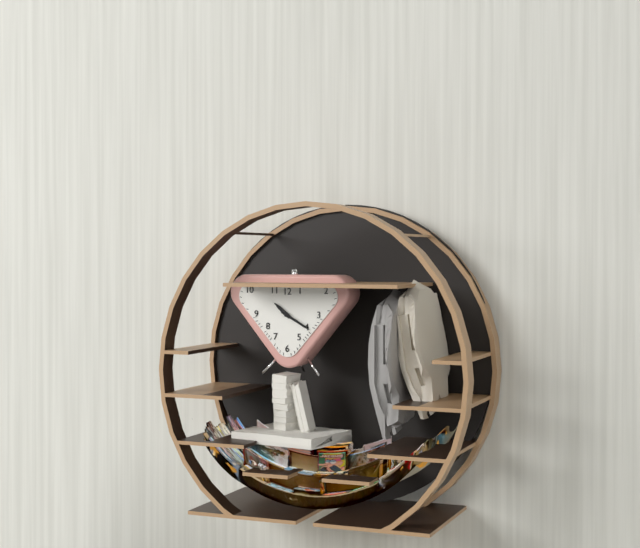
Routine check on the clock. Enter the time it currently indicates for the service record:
10:20
